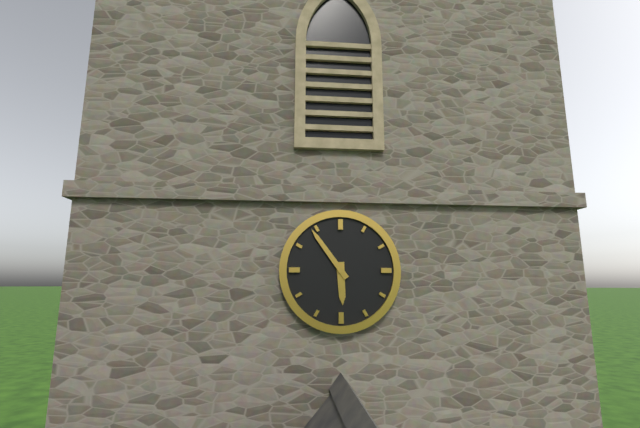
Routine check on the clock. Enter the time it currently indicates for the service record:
5:54
